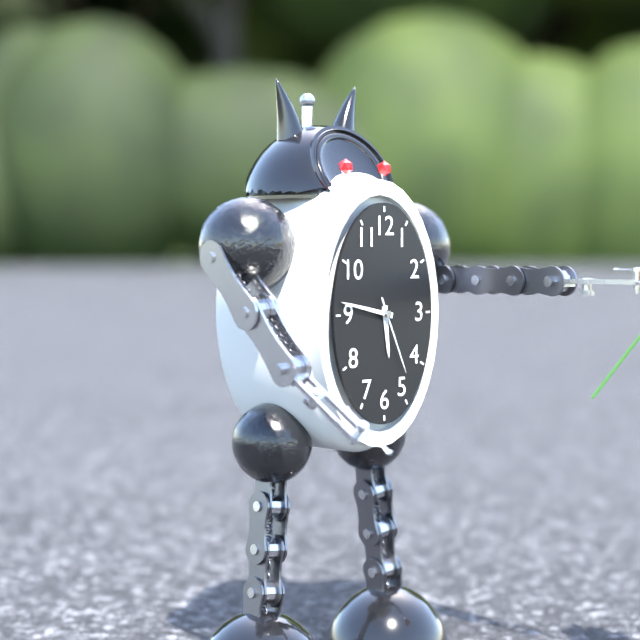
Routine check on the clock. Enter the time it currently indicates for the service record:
5:47:26
